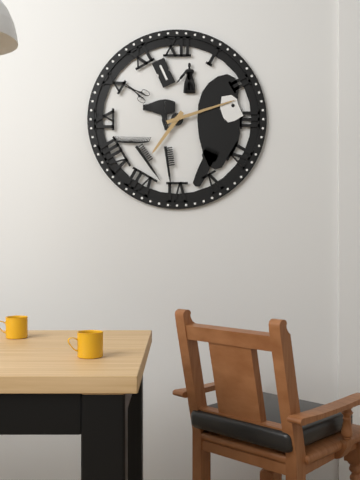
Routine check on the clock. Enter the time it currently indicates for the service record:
7:12
